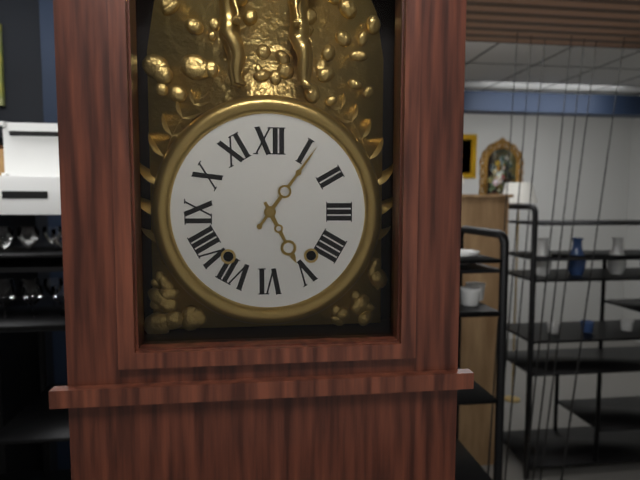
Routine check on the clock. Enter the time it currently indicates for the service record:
5:06
